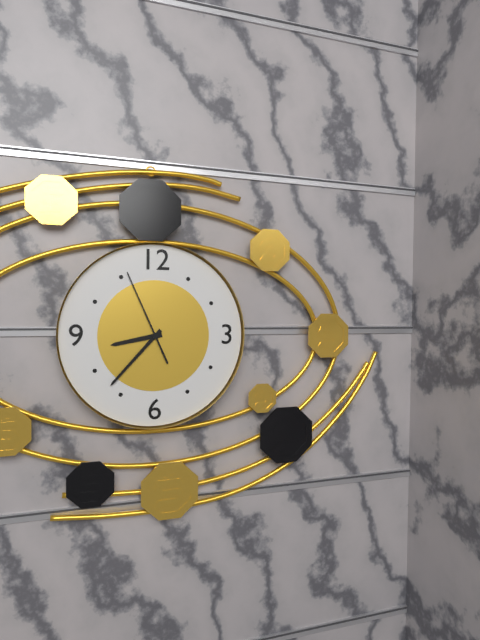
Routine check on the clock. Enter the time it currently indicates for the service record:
8:37:56
